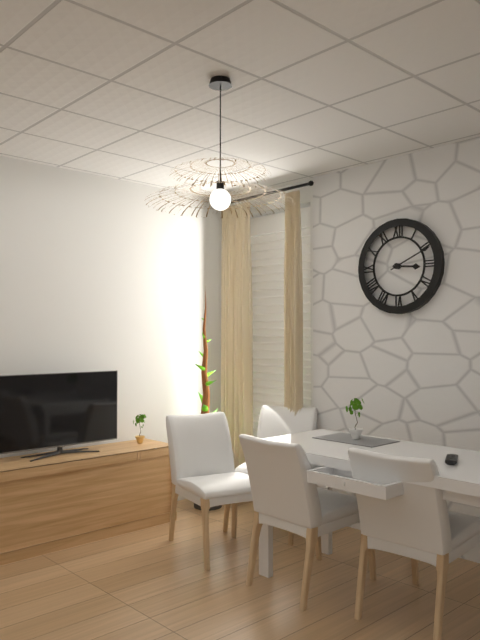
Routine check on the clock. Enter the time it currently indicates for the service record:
3:11
